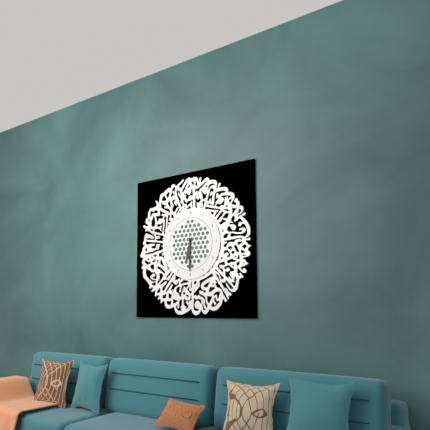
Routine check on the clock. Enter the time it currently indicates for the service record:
6:30
